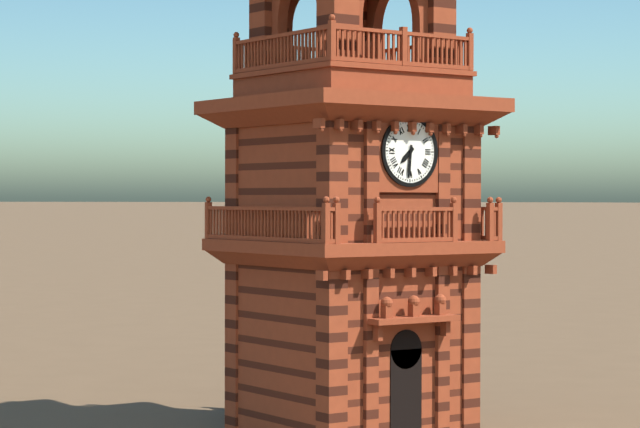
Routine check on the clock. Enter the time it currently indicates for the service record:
7:31
